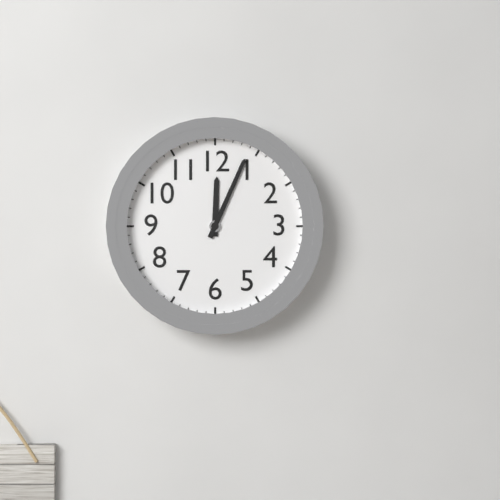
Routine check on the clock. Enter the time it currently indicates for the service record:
12:04
